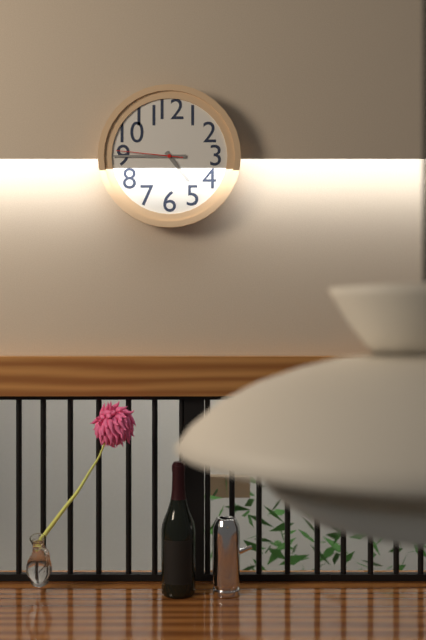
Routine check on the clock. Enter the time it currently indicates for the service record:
4:45:46
